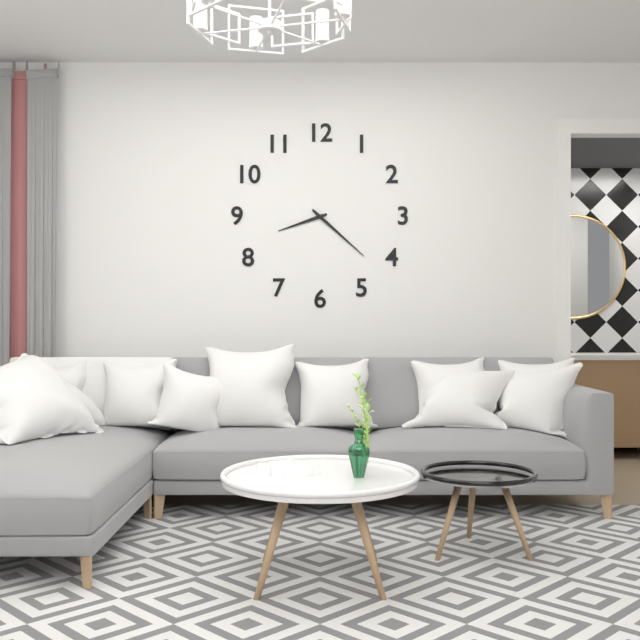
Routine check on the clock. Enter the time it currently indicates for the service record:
8:22
